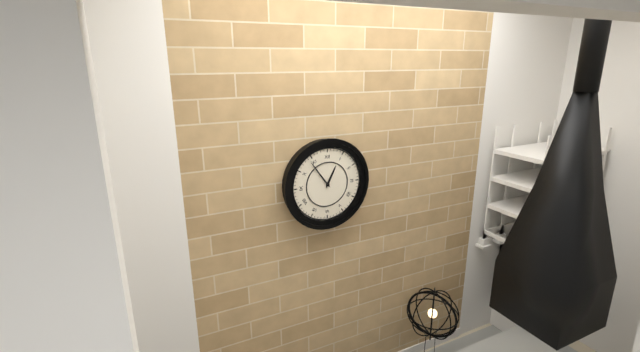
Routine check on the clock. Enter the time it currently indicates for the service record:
12:54
